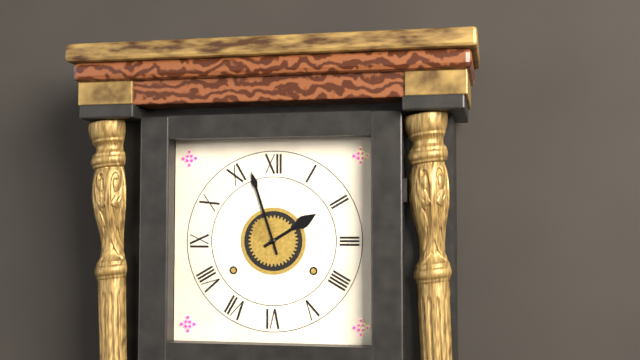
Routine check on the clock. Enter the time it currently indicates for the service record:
1:57
